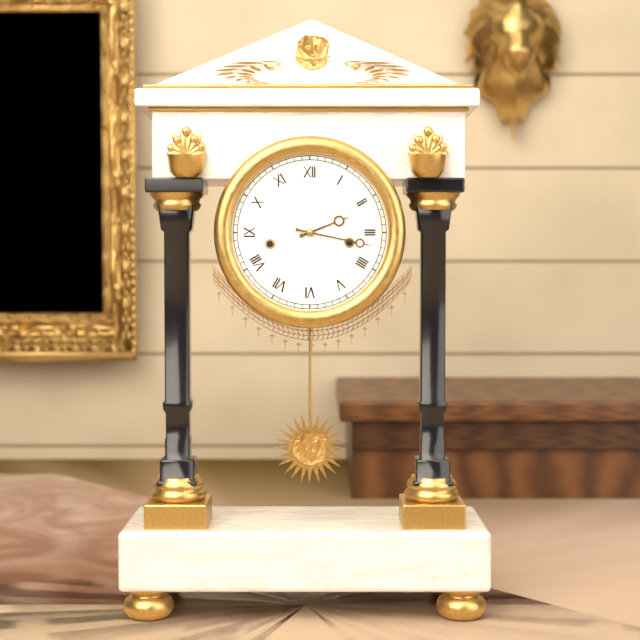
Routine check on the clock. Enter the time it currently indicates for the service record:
2:17
